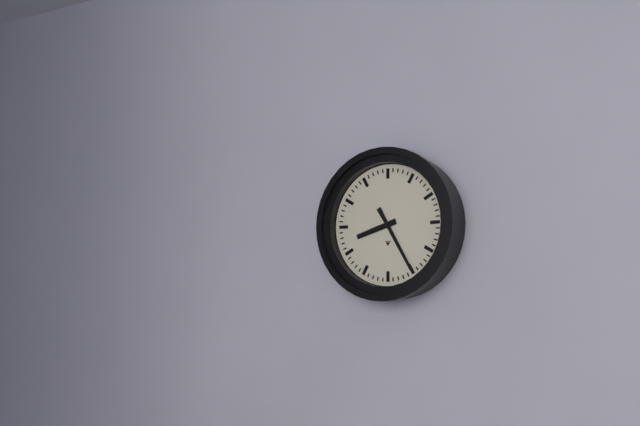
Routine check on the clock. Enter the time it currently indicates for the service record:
8:25
